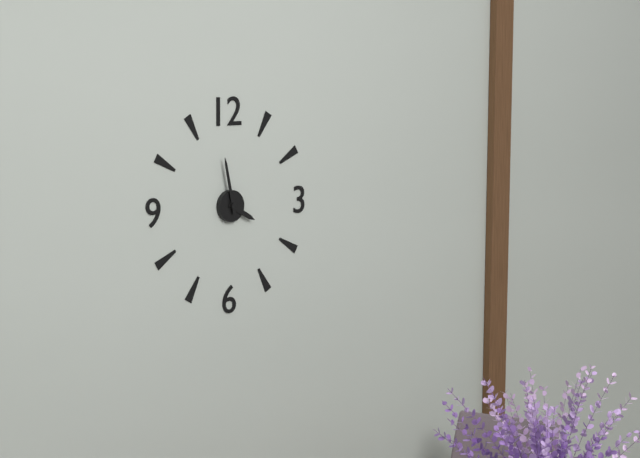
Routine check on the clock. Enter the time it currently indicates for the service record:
3:58
